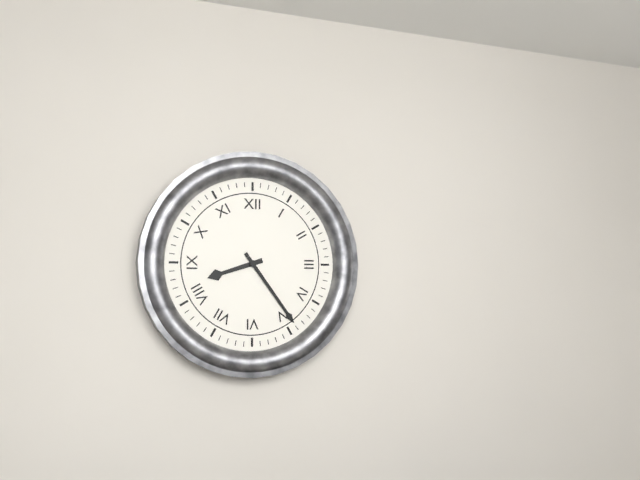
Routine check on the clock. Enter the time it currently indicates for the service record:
8:24
